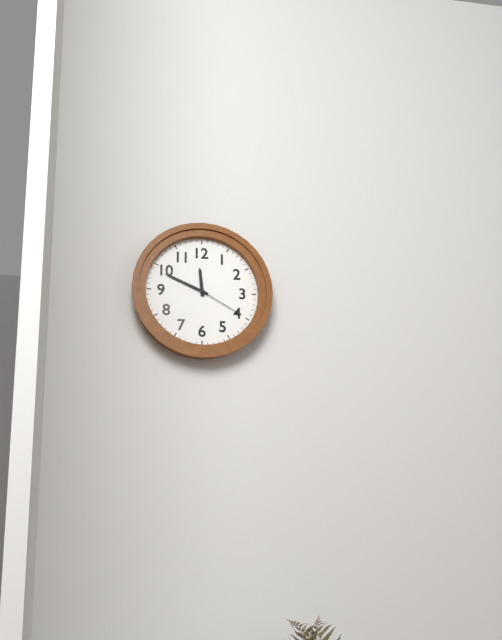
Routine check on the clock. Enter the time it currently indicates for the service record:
11:49:20
